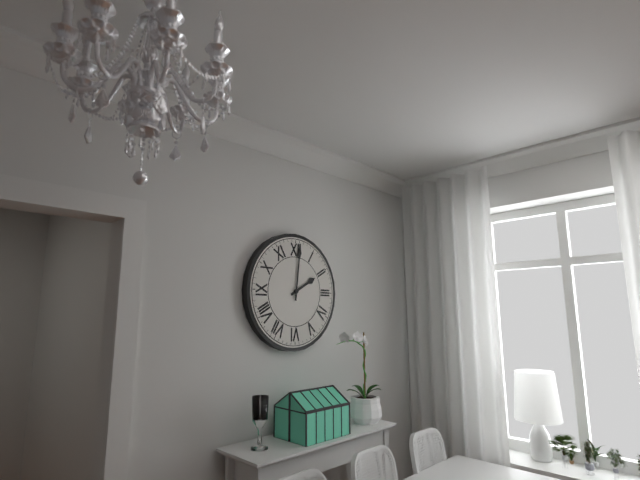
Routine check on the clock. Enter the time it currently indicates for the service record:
2:01
